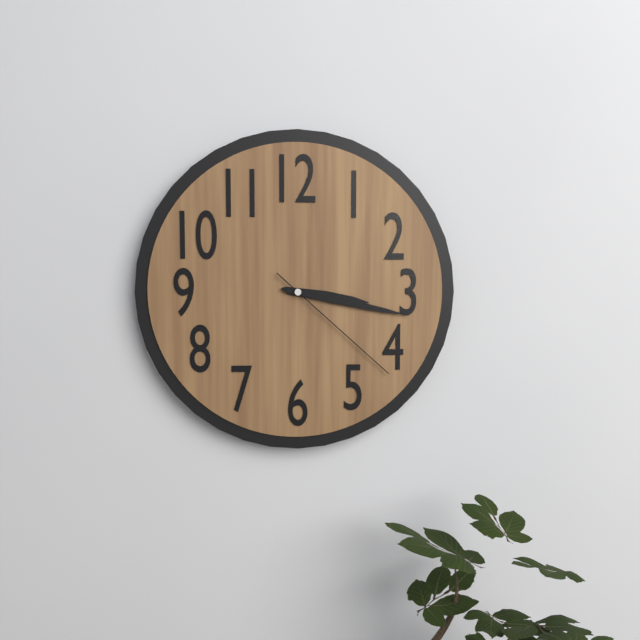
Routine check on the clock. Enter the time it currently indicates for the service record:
3:17:22
